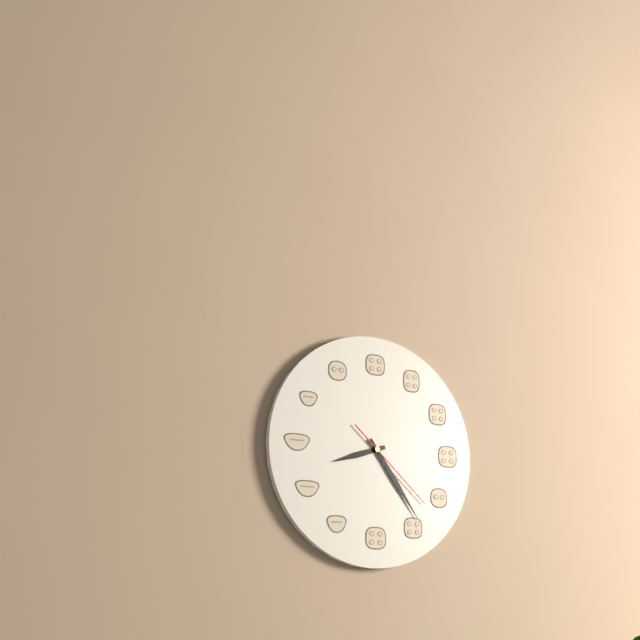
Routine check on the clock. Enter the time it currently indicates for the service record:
8:24:22
